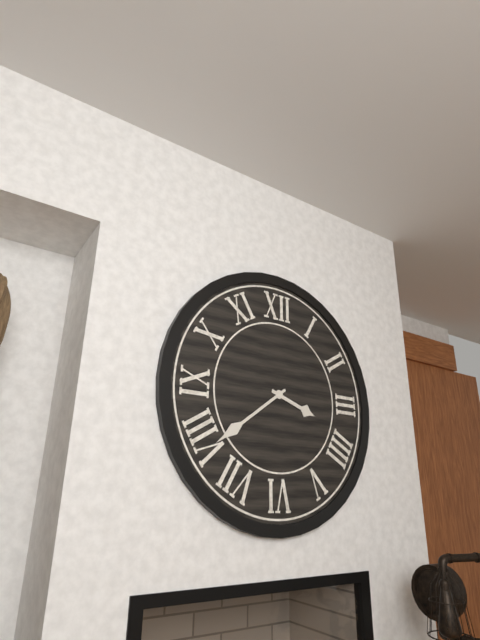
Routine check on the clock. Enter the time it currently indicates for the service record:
3:39
